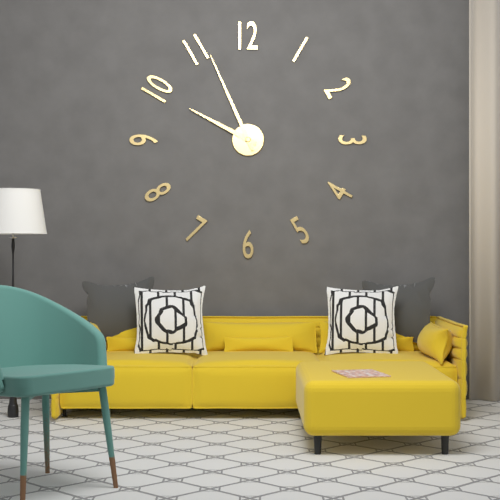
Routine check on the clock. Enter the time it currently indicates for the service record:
9:56
